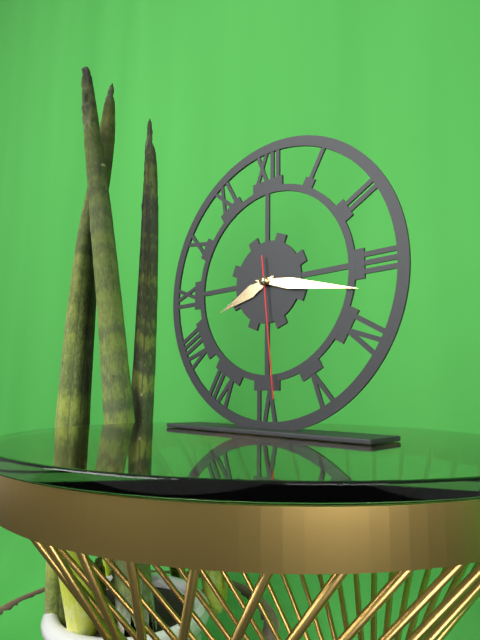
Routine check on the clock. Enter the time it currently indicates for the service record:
8:17:29
